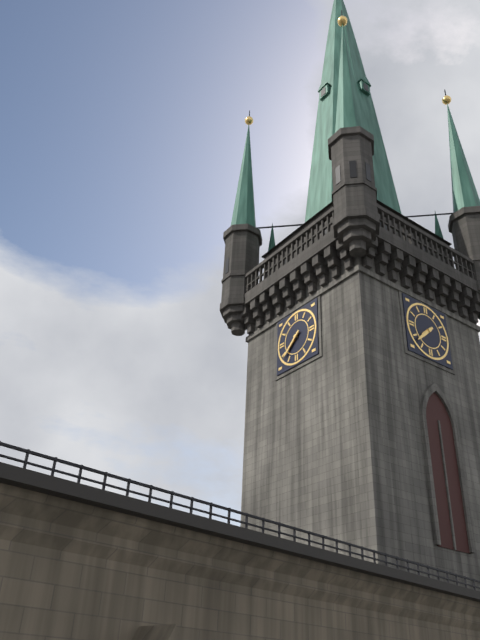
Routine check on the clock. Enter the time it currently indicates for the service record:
7:38
